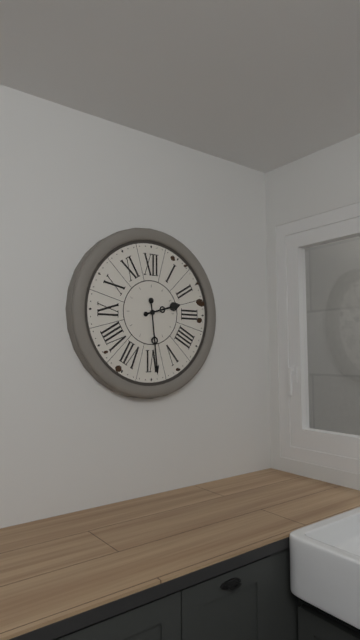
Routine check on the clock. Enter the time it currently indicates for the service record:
2:29
